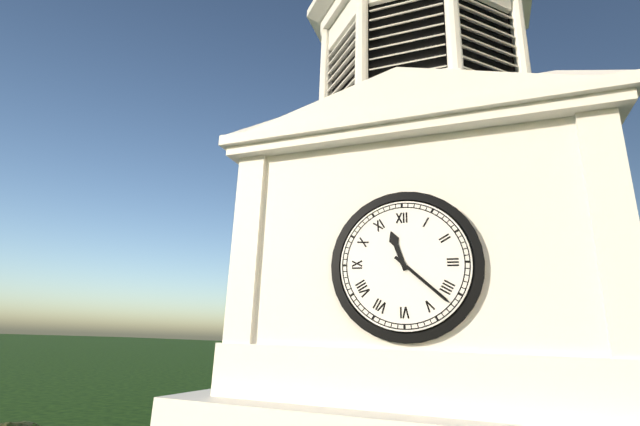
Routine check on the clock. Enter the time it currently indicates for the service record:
11:22
